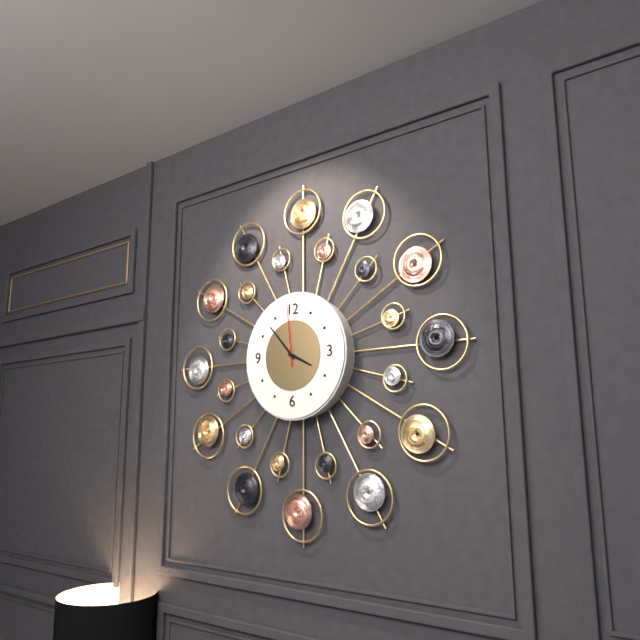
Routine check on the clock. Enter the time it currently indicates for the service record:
3:53:59
